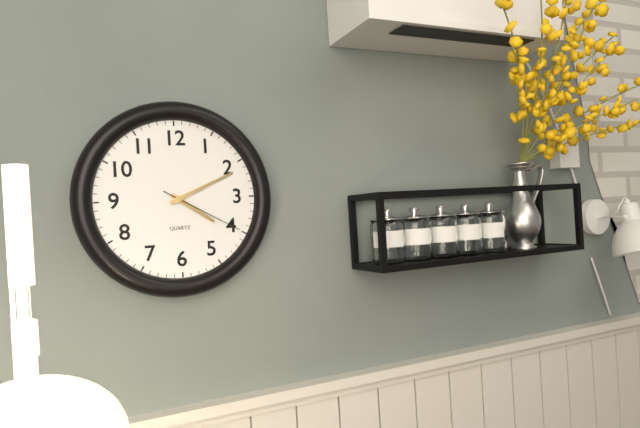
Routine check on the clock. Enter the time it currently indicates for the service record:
4:11:20
